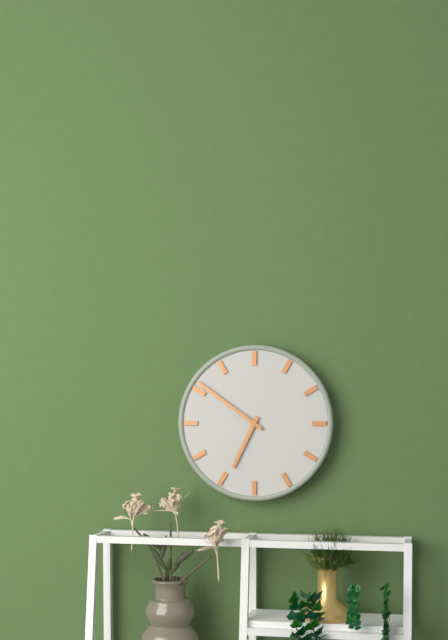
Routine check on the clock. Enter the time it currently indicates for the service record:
6:51
